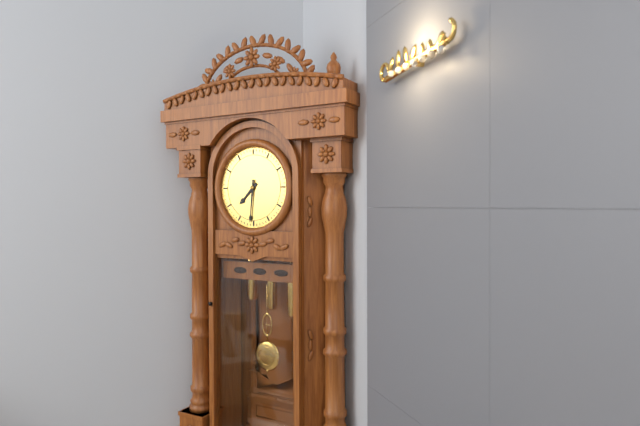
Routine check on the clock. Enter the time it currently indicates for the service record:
7:31
